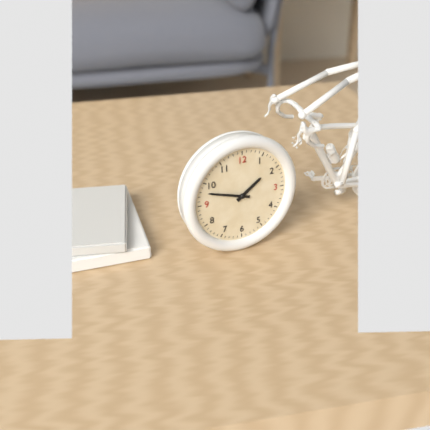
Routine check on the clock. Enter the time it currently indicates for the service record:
1:48
